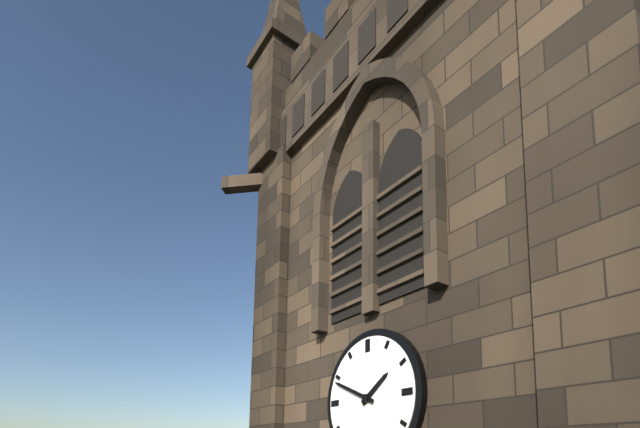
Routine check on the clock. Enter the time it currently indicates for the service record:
1:49
